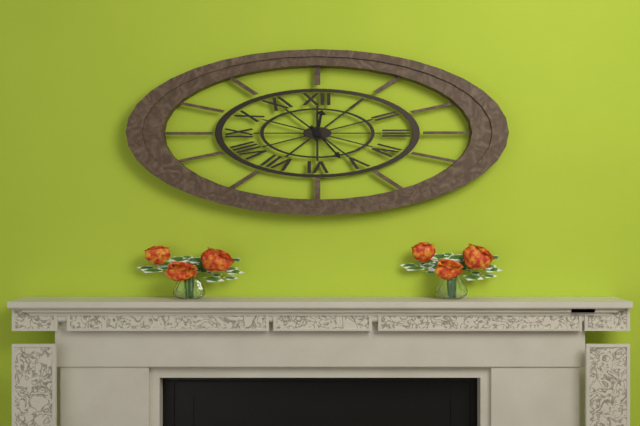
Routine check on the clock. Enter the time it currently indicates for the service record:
12:23
